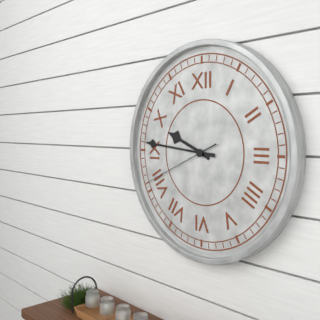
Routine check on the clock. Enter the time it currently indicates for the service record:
9:46:41
